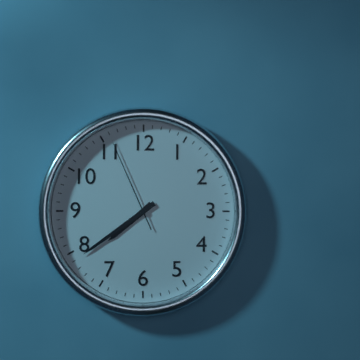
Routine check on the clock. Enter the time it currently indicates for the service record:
7:39:56
